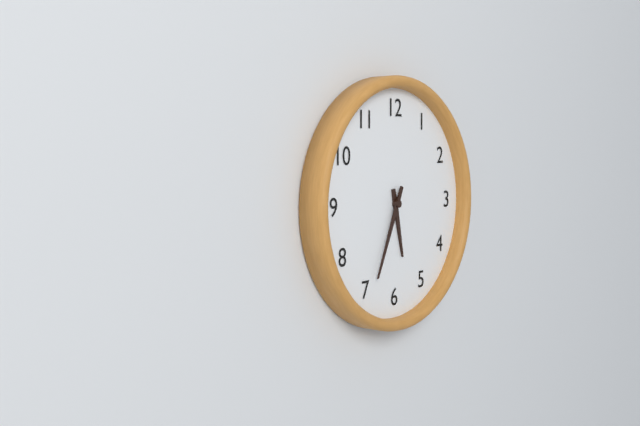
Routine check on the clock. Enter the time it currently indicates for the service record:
5:34
